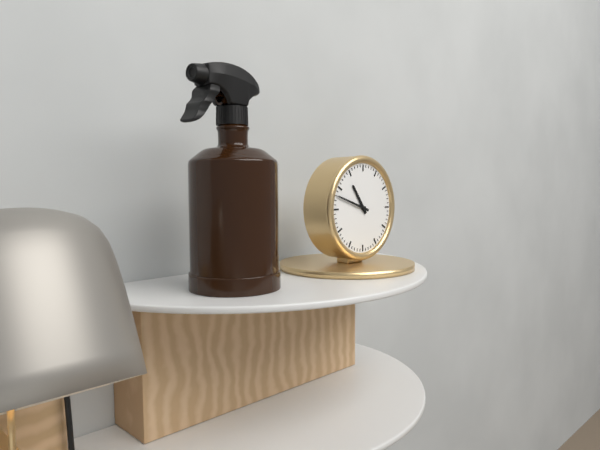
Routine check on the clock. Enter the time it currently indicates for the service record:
10:48
